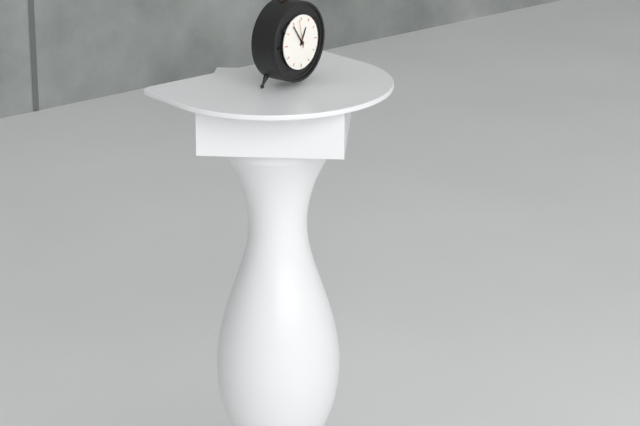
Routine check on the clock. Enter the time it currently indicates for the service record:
12:54
